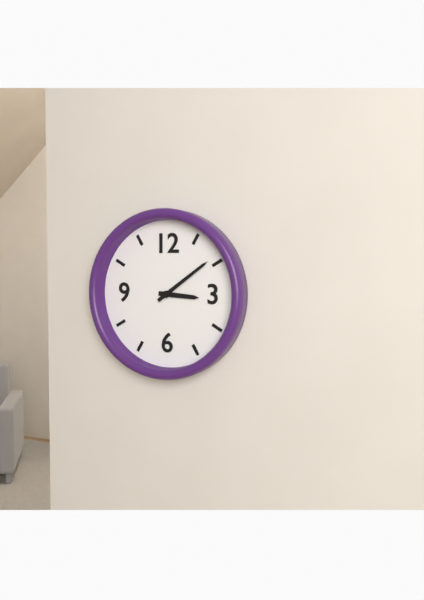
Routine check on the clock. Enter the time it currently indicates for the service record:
3:09
